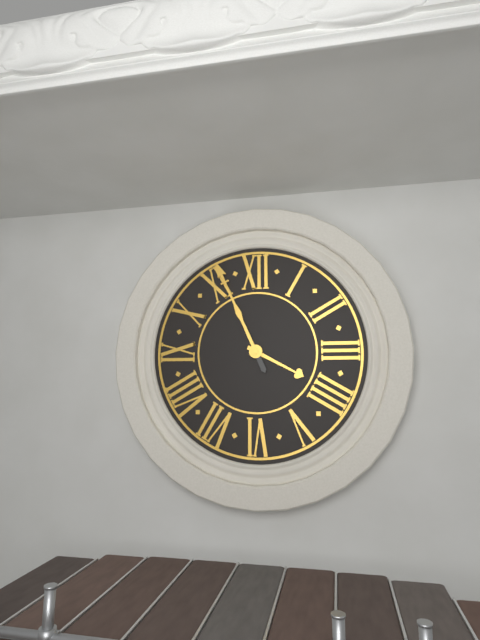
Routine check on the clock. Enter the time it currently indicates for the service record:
3:56
